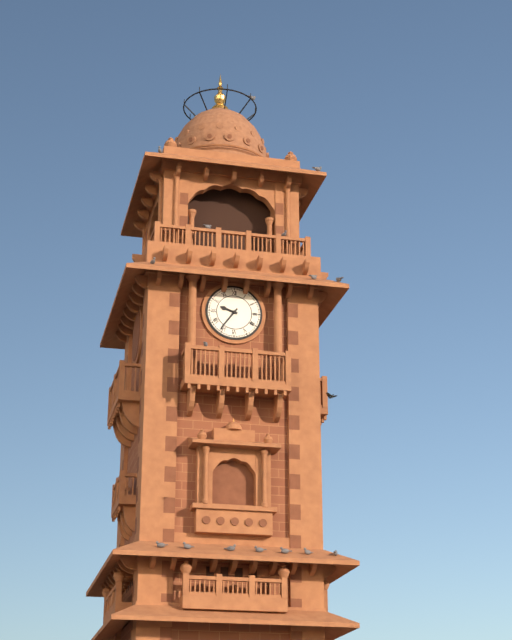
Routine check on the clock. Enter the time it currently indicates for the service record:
9:36
